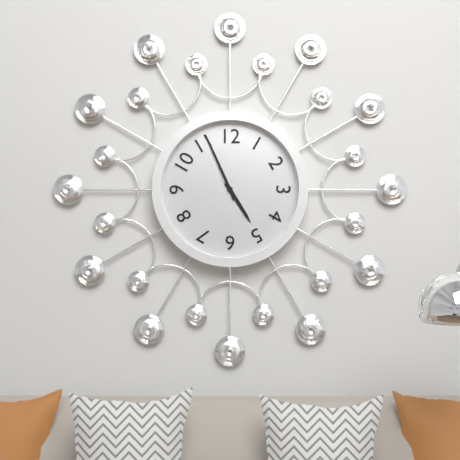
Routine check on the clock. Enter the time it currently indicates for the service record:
4:56
